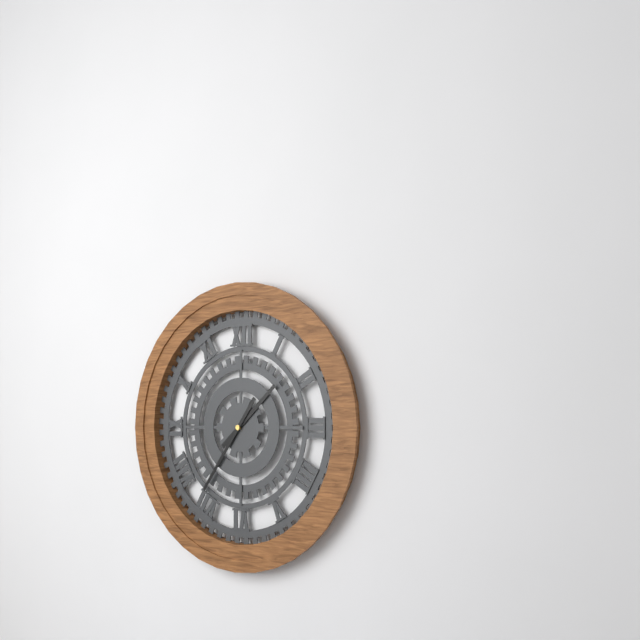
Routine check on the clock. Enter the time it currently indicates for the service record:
1:36
